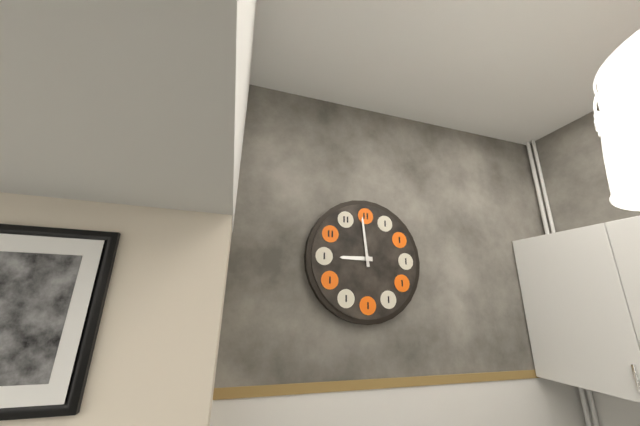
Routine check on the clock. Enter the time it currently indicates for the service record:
8:59
